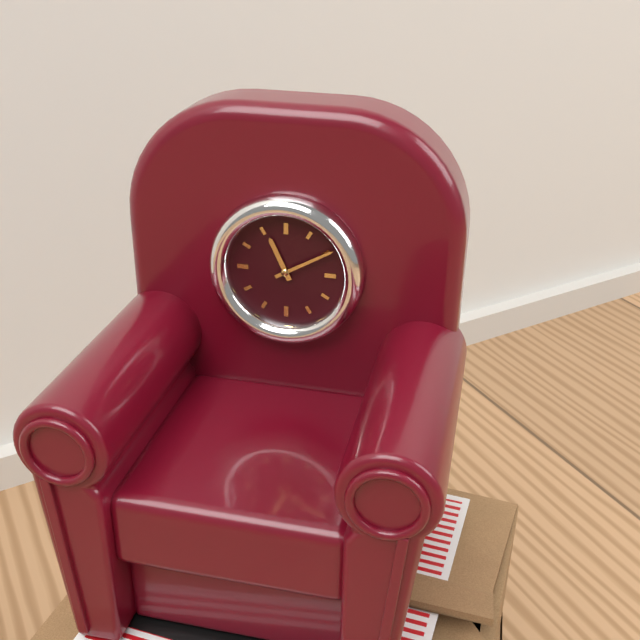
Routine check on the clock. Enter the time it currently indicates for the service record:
11:10
